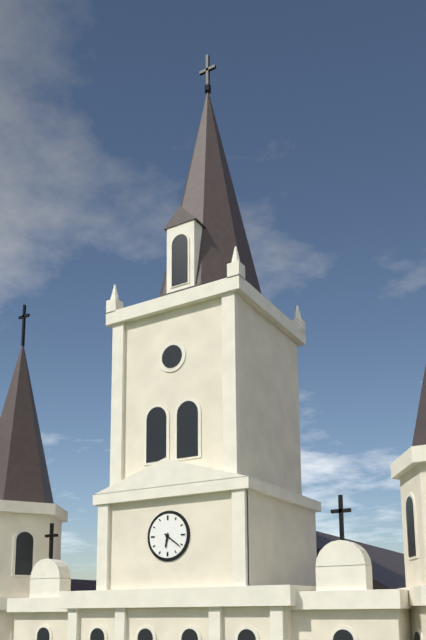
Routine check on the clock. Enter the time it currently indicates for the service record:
6:21
